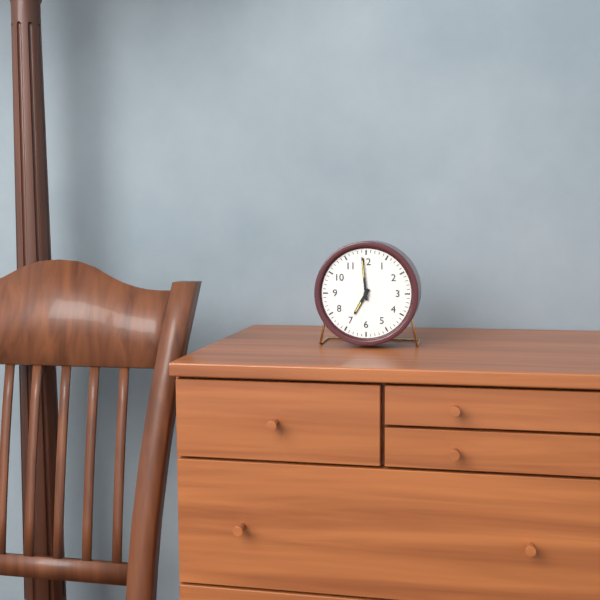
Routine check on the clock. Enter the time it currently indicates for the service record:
6:59
